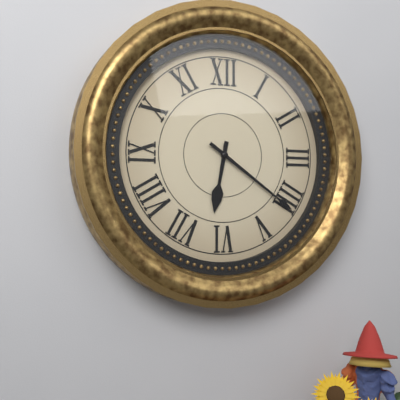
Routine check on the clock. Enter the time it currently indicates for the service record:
6:21
